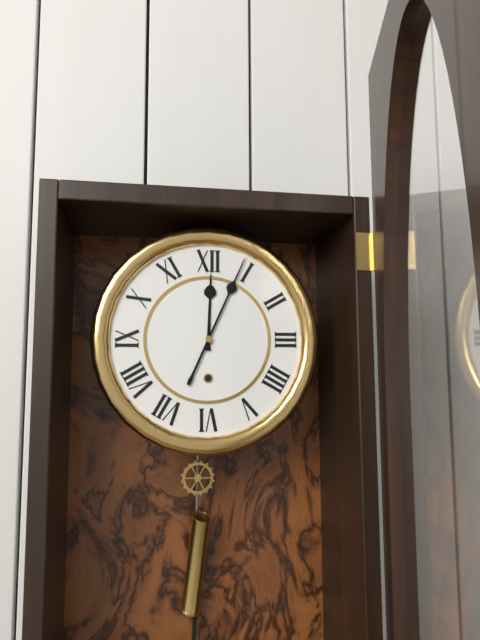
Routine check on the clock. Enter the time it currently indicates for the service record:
12:04
